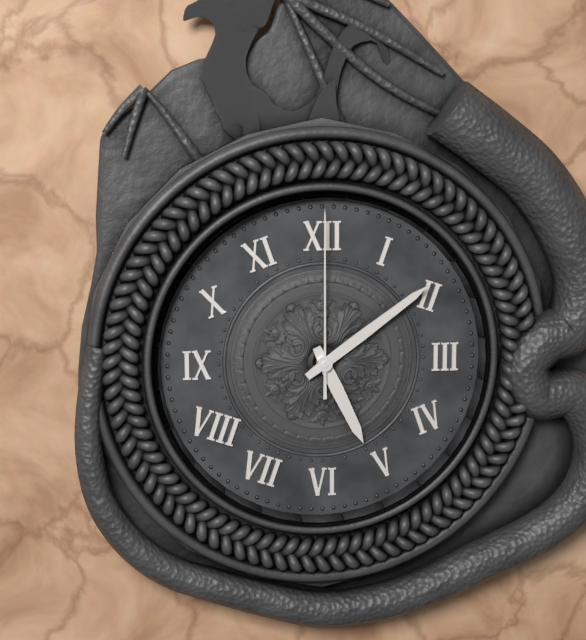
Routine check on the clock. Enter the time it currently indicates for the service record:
5:09:00
